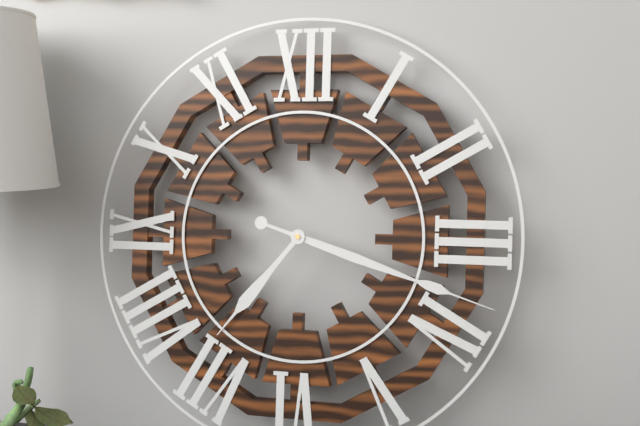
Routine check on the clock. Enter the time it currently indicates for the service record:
7:18
